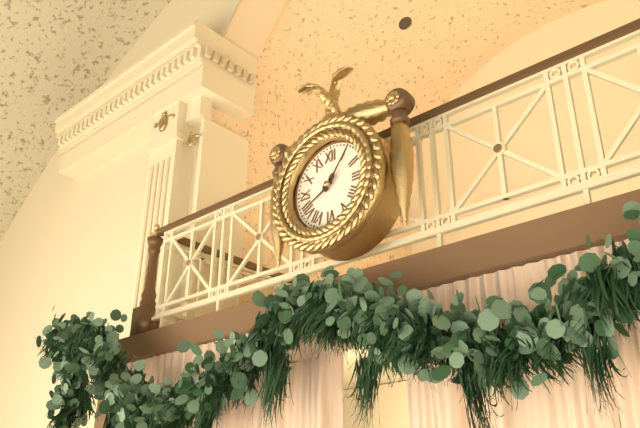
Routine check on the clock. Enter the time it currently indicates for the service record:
8:06
